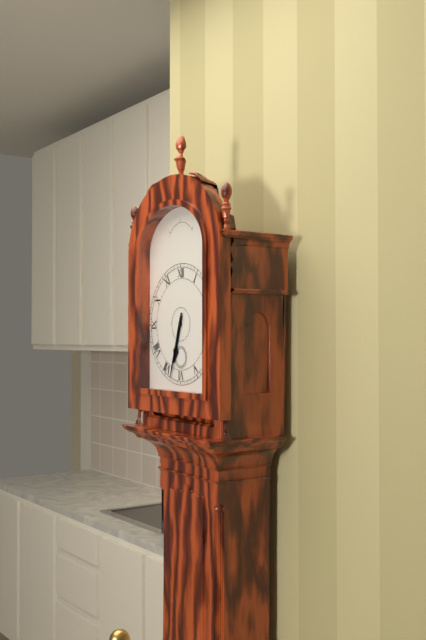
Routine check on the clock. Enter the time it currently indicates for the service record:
6:33
